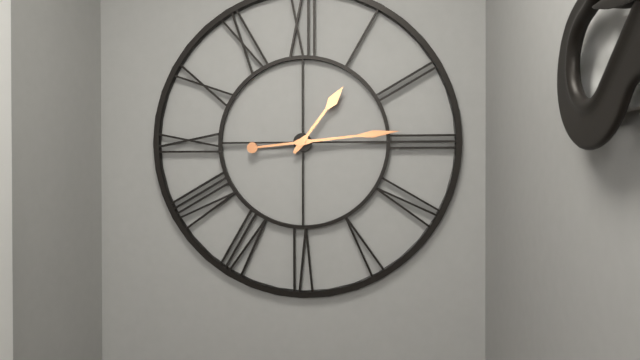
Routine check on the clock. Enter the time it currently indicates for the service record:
1:14
